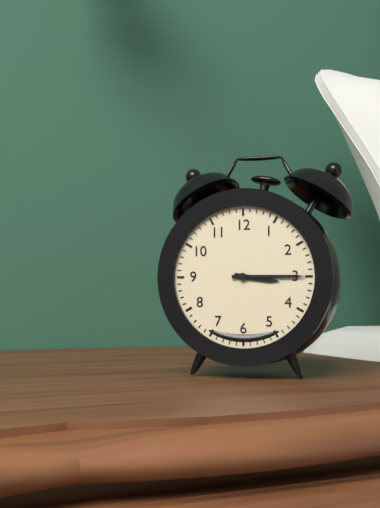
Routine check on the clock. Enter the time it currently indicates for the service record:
3:15
